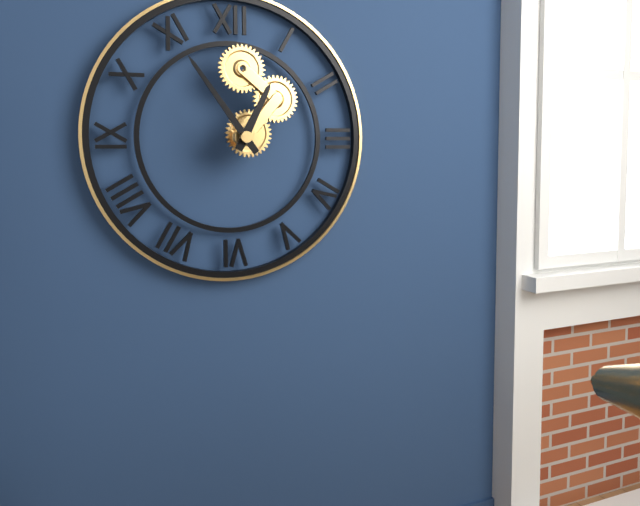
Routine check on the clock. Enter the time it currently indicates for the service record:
12:54
